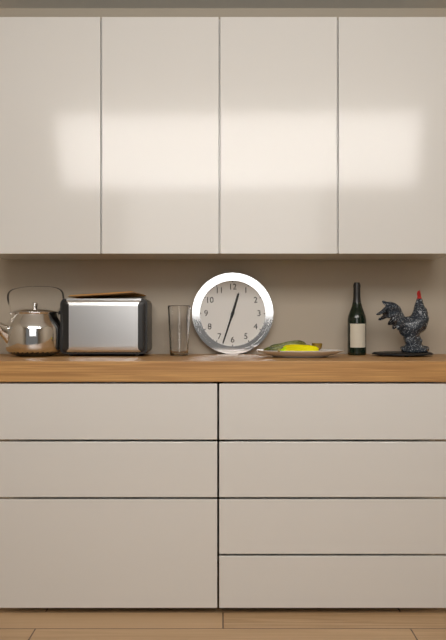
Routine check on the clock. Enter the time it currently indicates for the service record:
12:33
